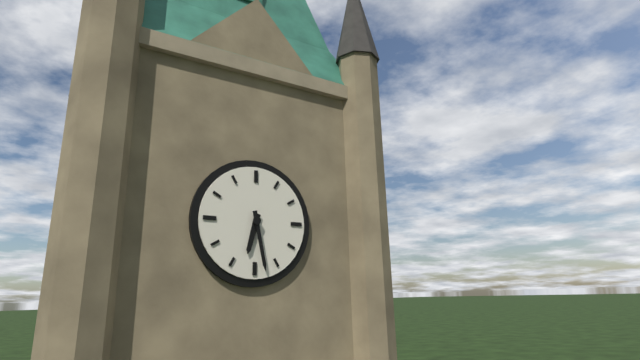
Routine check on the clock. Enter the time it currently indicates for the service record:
6:28
